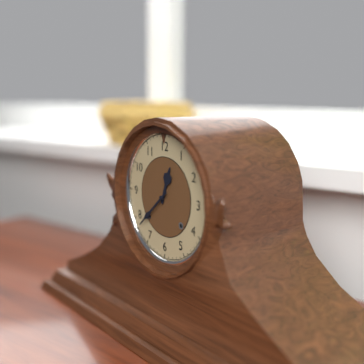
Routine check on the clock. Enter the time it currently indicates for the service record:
12:38
